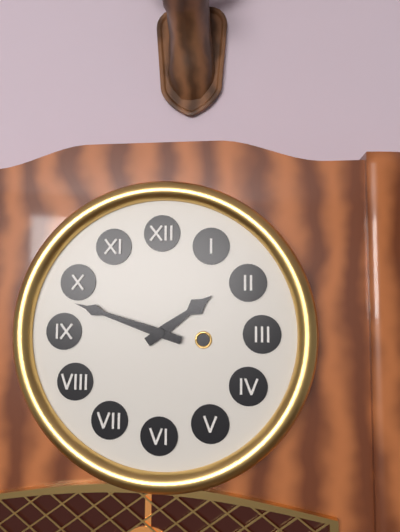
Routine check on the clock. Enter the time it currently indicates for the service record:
1:48
